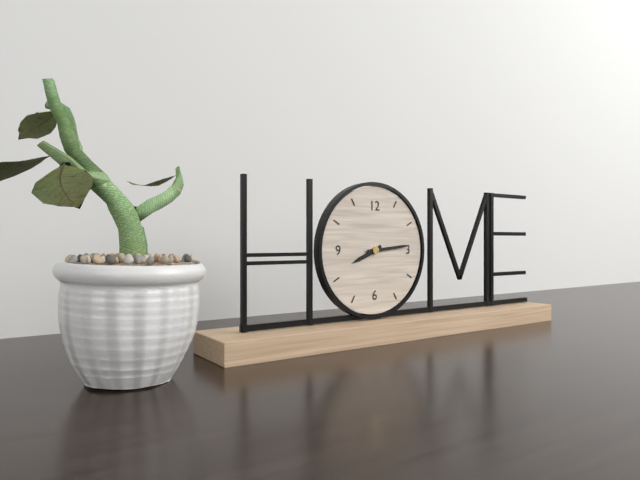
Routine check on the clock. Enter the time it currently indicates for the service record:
8:14
